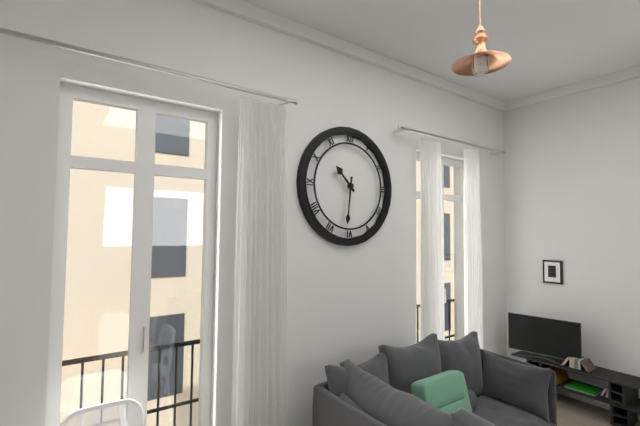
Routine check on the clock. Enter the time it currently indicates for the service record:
10:31
